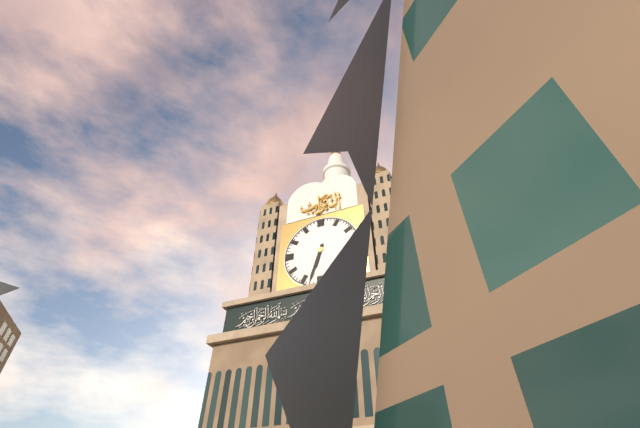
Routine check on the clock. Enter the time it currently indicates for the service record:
6:33
